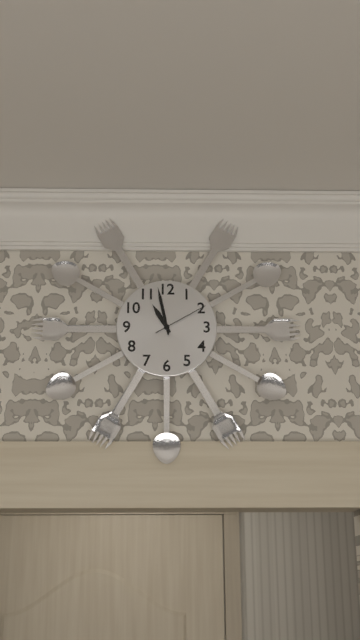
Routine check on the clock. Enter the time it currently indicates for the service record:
10:58:10
